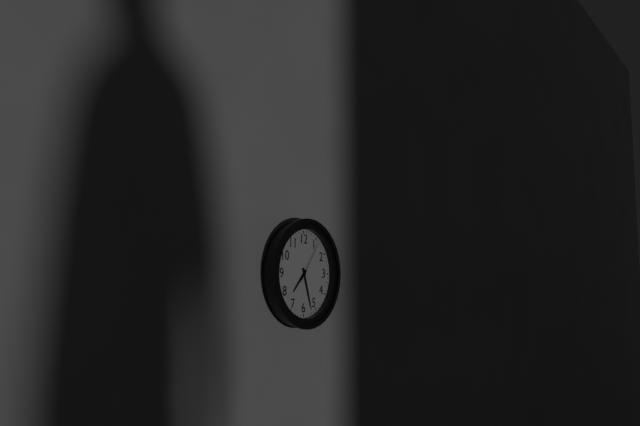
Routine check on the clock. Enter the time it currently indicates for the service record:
7:27
